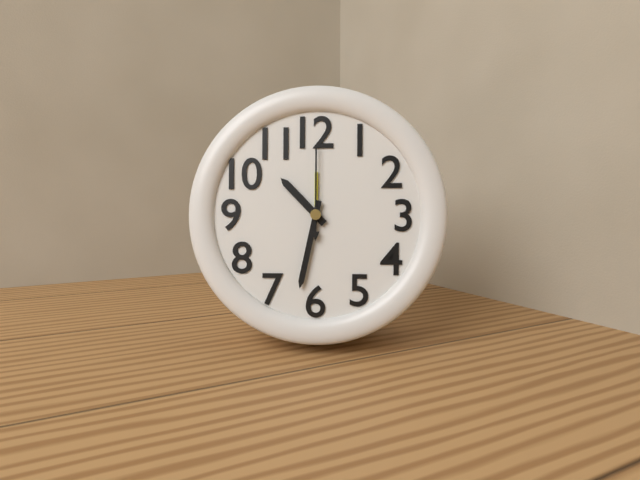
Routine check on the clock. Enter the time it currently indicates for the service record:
10:32:00
